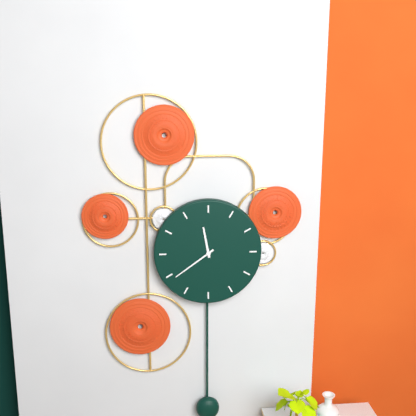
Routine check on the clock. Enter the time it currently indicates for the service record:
11:39
